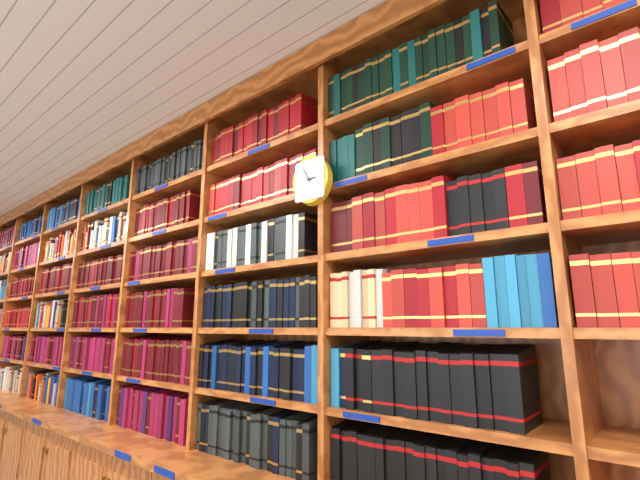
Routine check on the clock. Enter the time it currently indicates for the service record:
2:55
